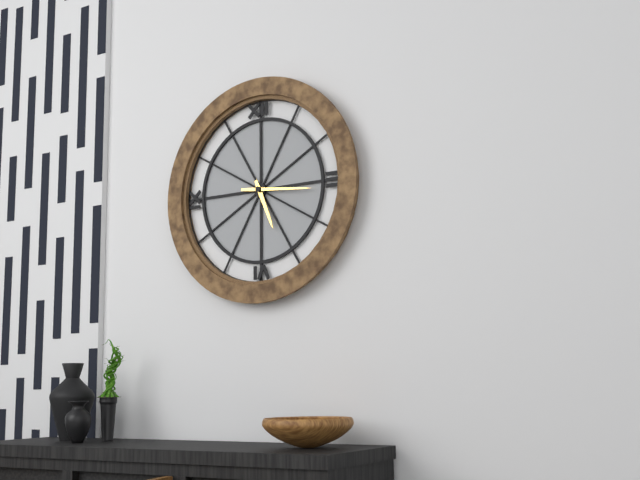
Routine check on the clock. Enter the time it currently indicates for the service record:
5:16
